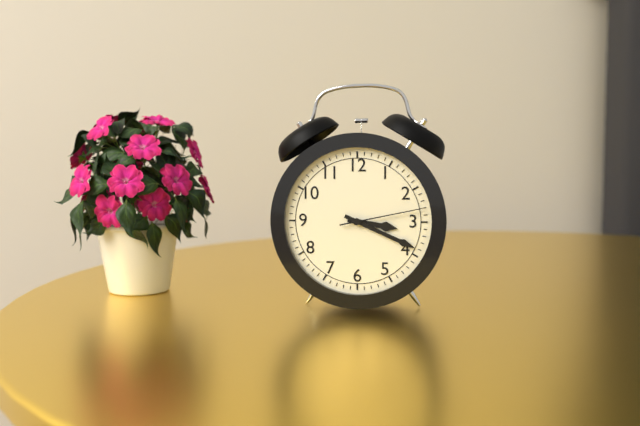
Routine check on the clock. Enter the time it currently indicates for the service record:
3:19:13
